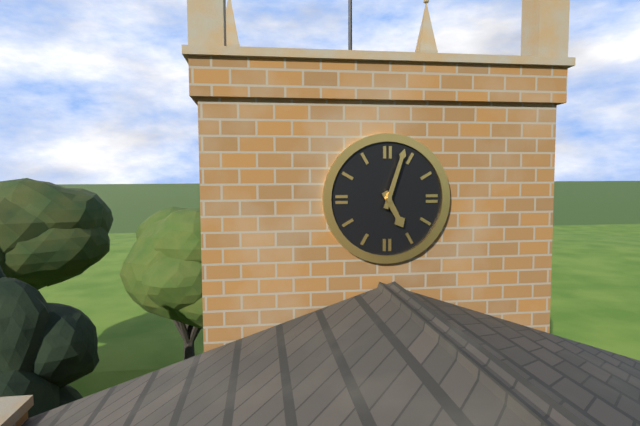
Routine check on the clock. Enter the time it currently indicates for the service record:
5:03
